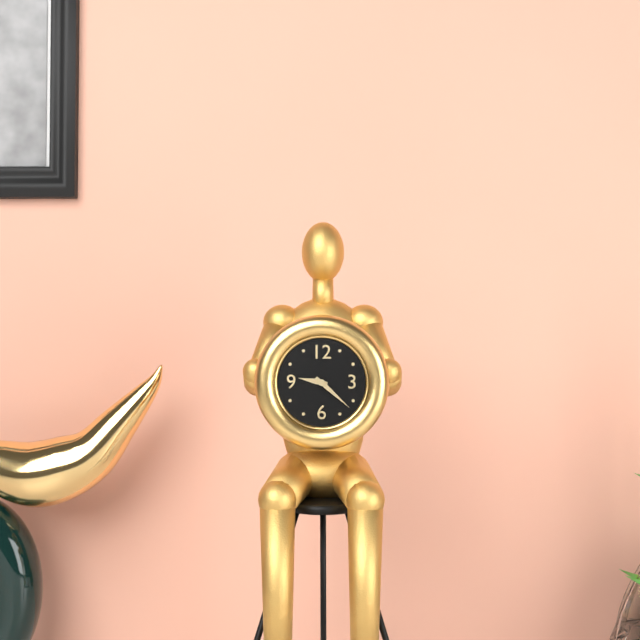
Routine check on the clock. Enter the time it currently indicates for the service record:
9:22
